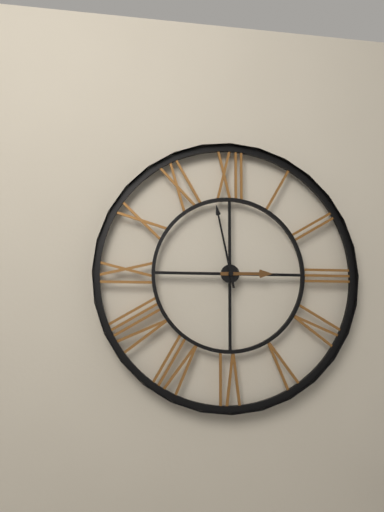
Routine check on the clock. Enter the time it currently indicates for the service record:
2:58
